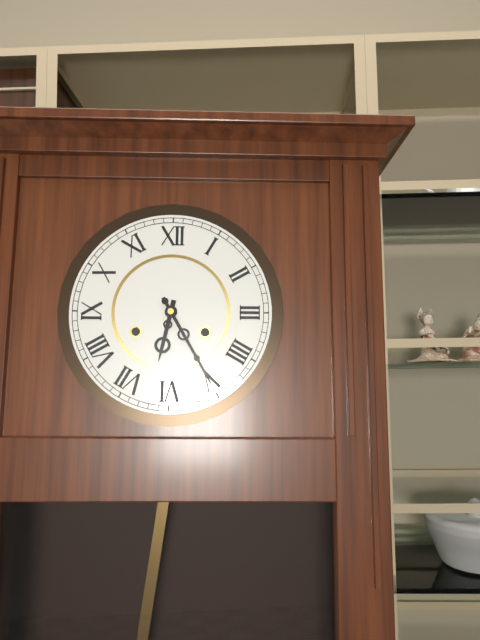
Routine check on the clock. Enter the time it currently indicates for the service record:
6:25
